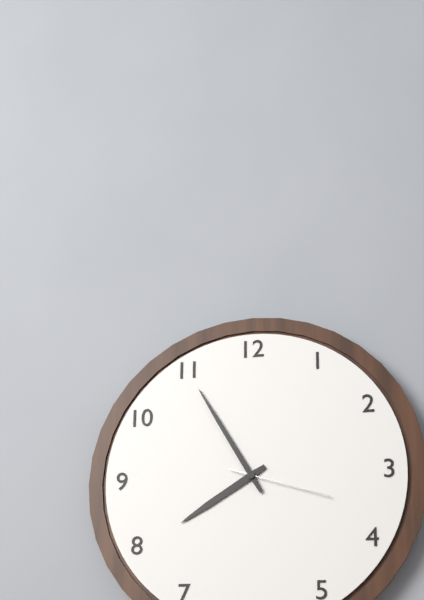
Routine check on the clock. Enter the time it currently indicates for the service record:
7:55:18
